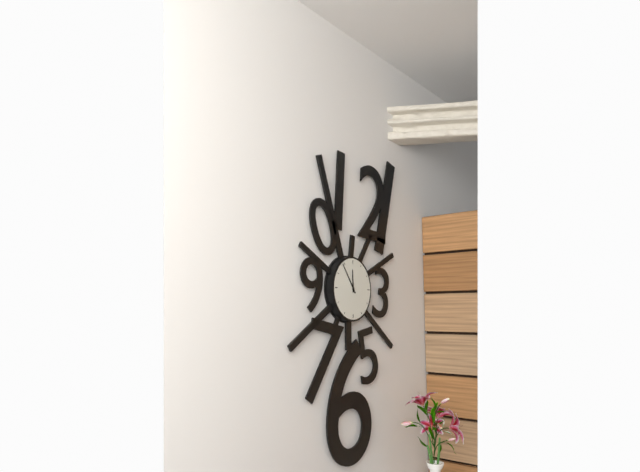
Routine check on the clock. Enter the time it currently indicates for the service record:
11:54
